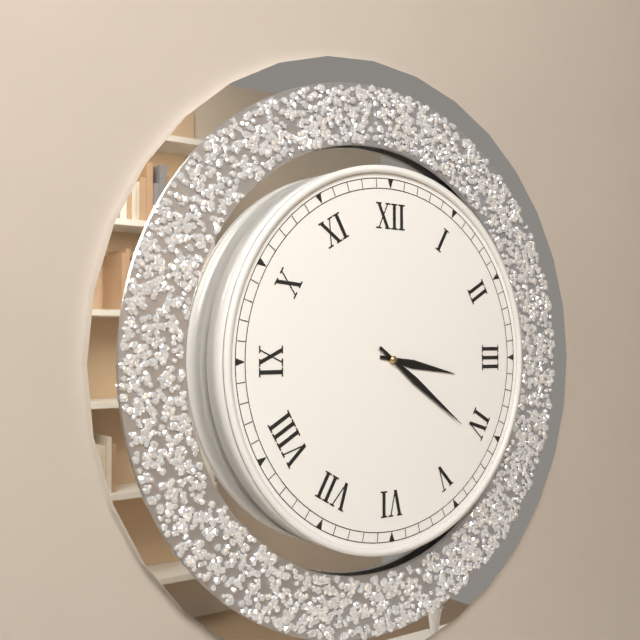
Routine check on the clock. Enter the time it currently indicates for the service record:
3:21
